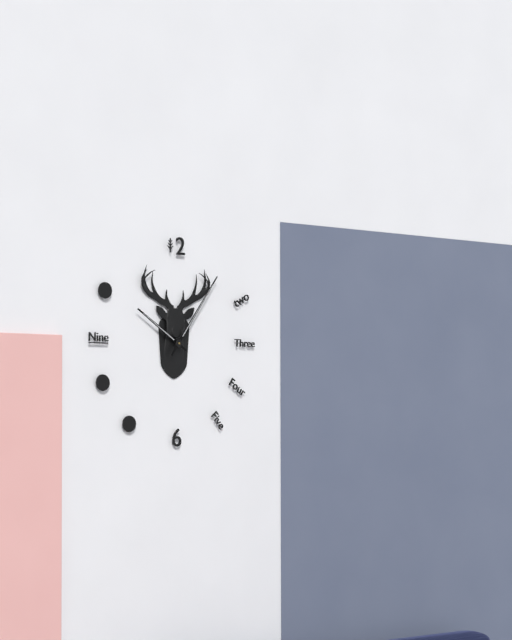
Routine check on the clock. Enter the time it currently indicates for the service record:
10:06
